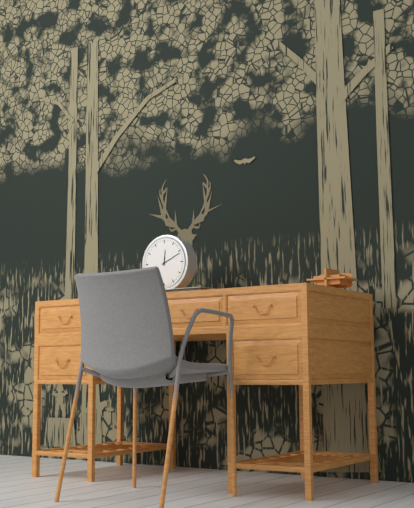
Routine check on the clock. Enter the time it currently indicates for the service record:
12:11
